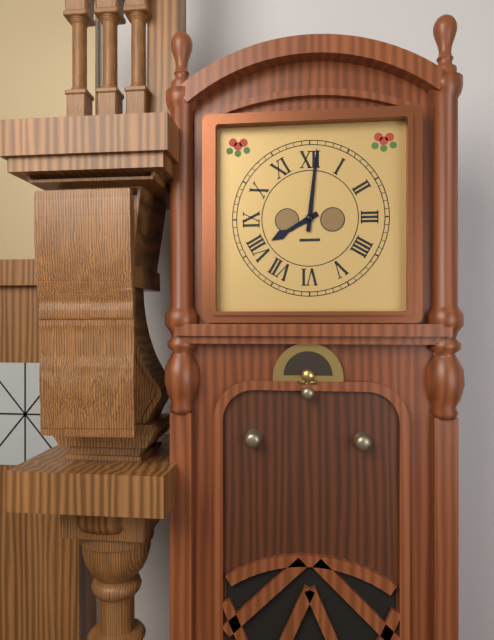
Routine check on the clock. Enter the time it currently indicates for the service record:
8:01
